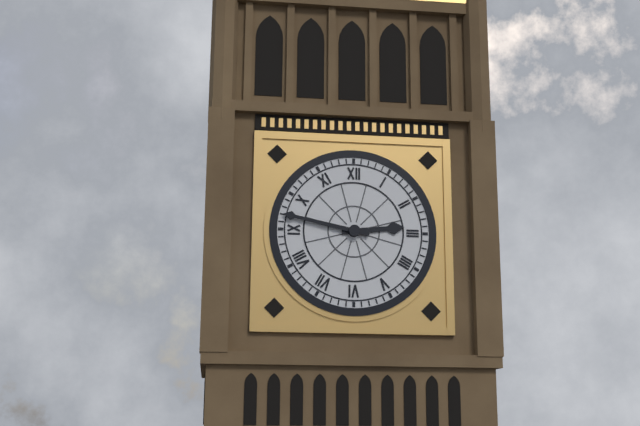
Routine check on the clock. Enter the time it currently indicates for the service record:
2:47
